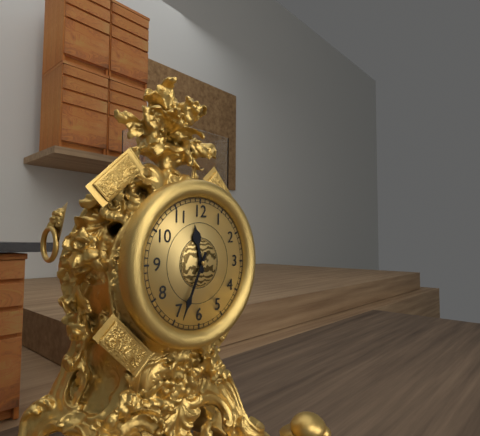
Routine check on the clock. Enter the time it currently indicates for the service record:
11:34
